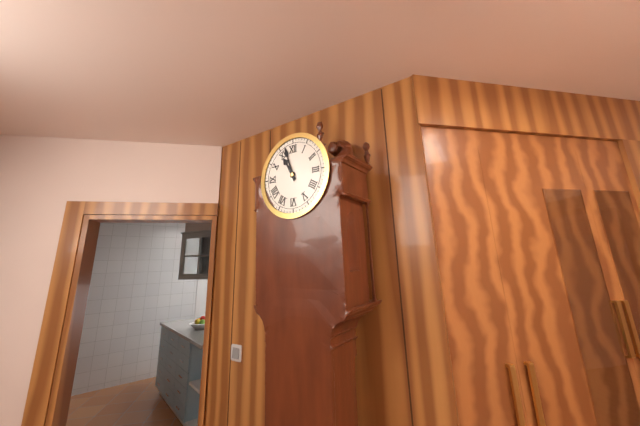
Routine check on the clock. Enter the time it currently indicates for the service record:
10:57
